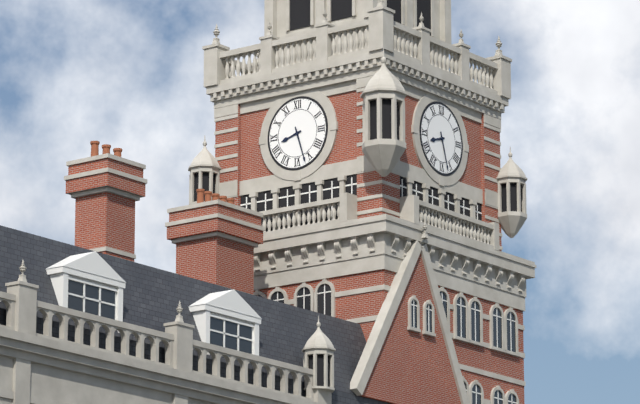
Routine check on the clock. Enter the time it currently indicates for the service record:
8:27
